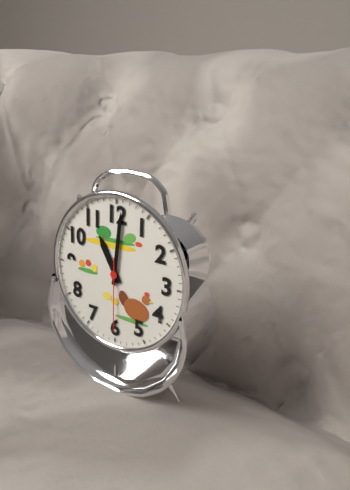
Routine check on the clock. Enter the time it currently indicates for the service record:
11:01:30
